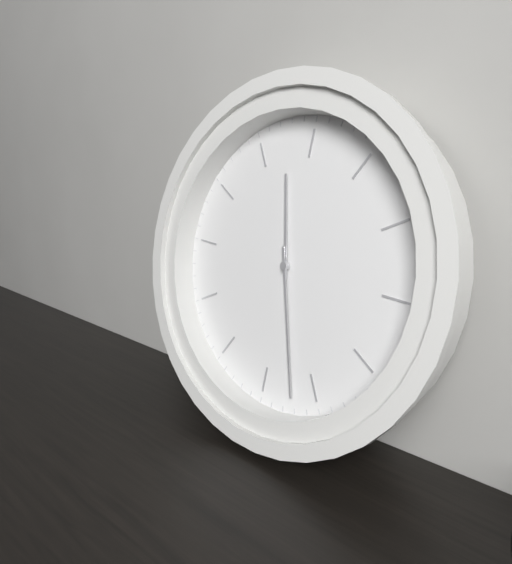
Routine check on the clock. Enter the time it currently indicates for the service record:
12:32
